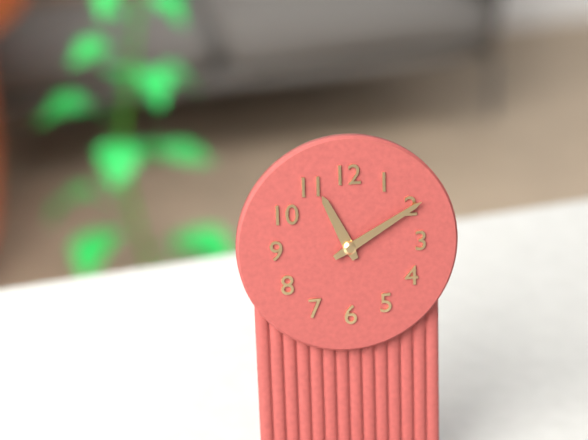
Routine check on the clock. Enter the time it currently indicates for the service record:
11:10
